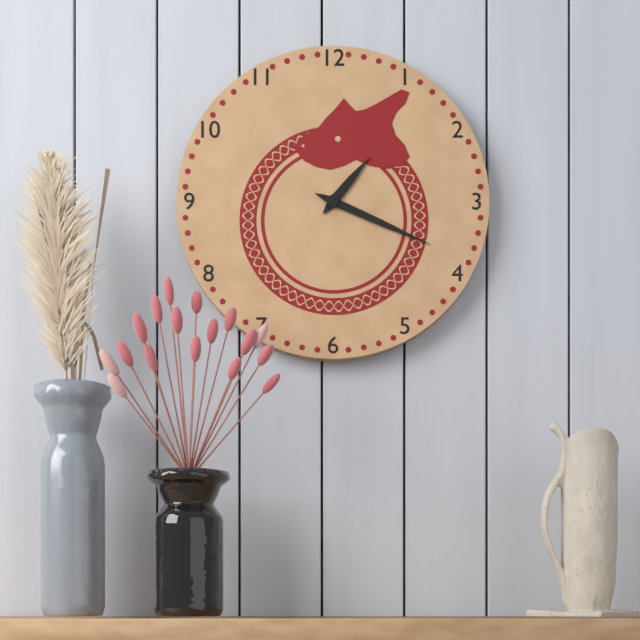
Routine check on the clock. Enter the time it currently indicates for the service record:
1:19
